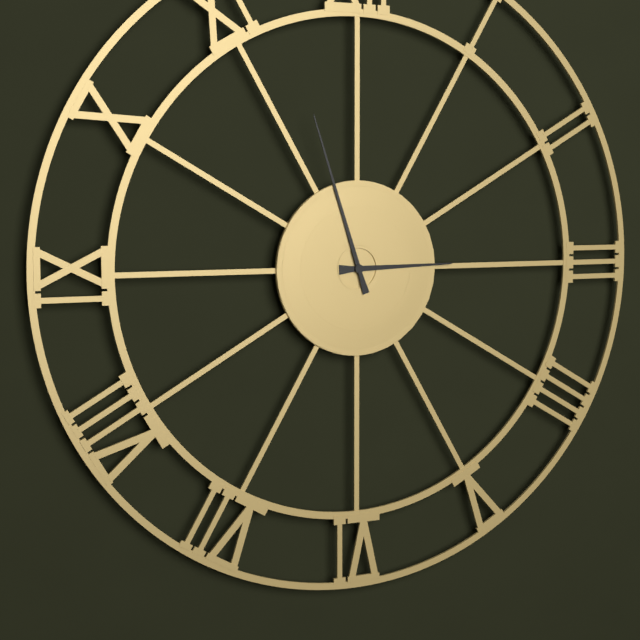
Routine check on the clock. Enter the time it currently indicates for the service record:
2:57
